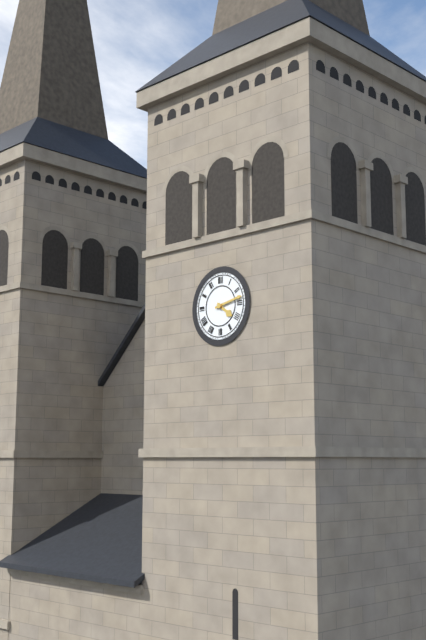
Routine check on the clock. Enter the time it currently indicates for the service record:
4:13
